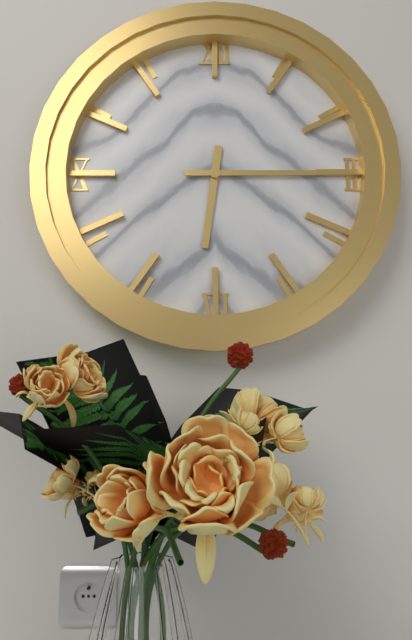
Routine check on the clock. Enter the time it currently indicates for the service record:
6:15
